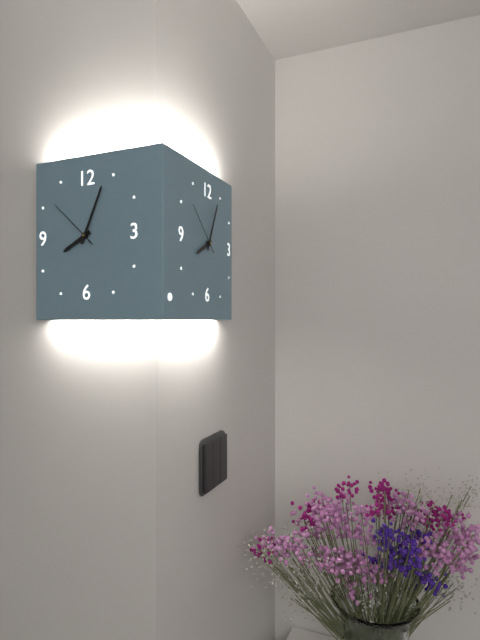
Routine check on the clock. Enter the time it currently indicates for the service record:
8:04:52
